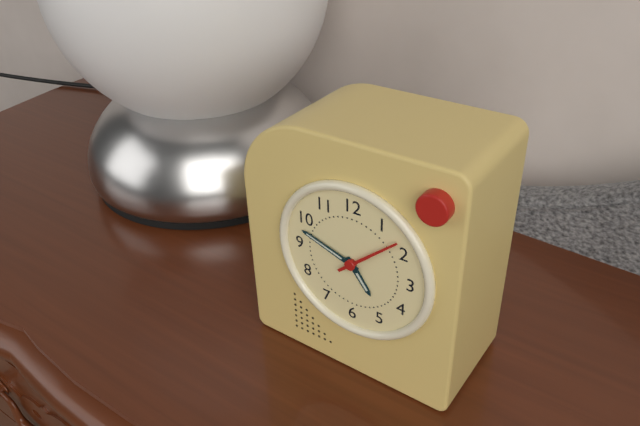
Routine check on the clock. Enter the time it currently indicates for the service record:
4:48:08
